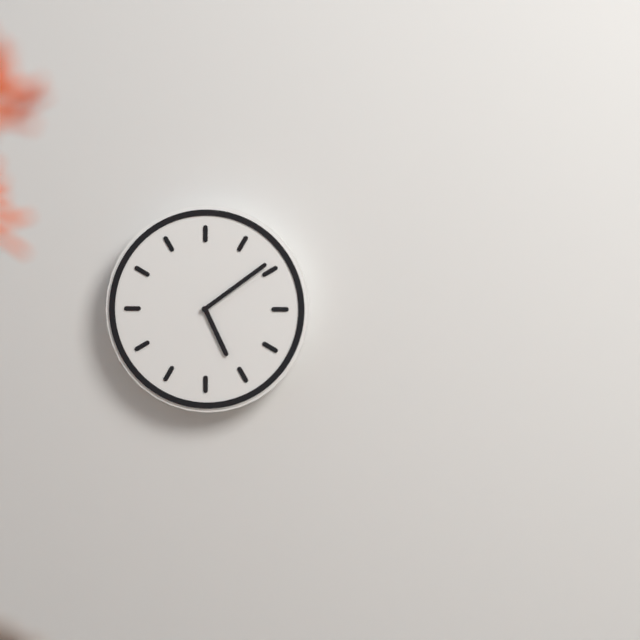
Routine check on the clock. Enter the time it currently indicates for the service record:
5:09
